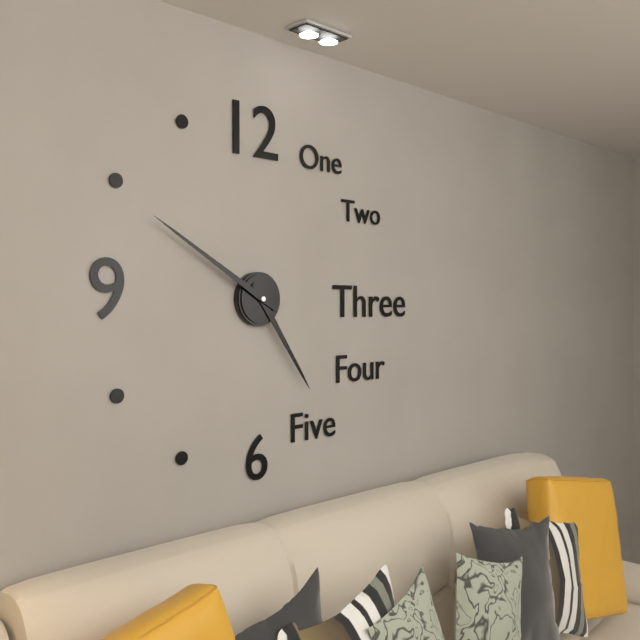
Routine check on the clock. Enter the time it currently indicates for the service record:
4:50
